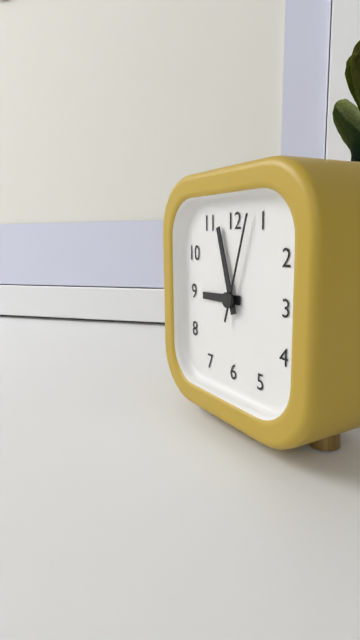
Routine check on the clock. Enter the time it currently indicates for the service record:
8:57:03
